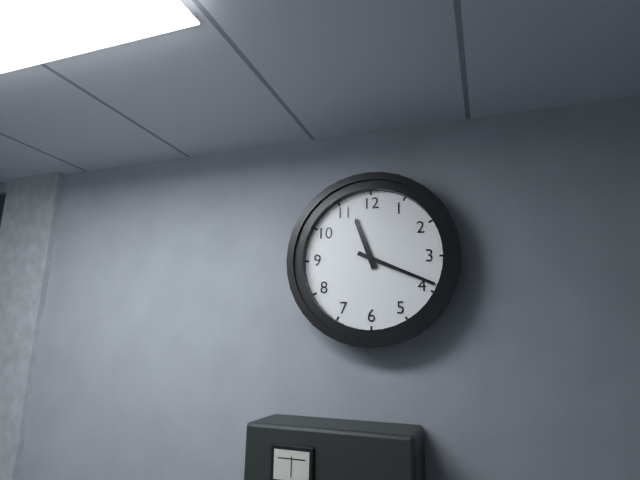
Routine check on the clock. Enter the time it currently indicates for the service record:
11:19
